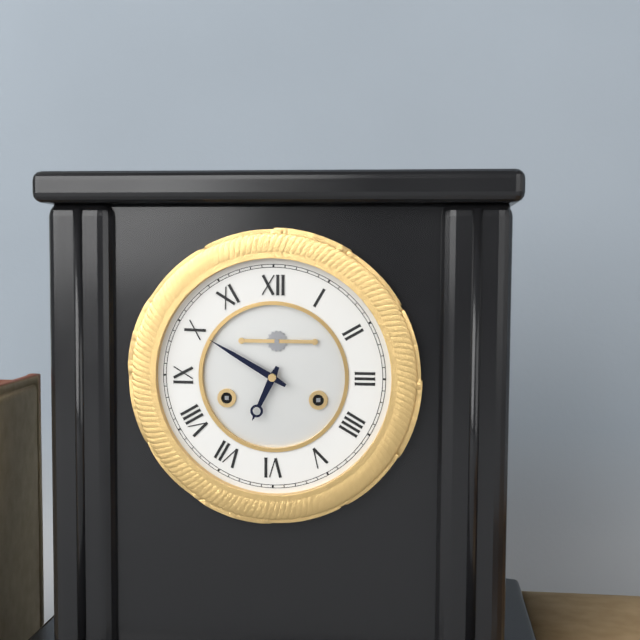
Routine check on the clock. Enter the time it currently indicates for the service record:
6:50
